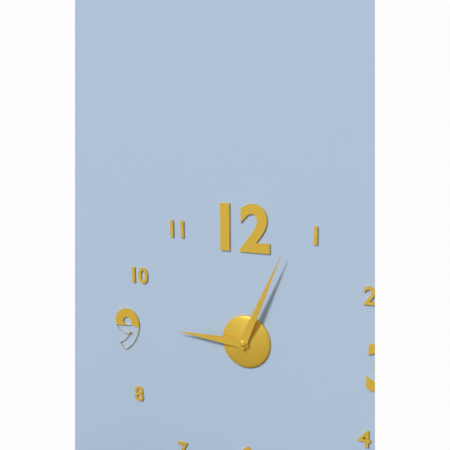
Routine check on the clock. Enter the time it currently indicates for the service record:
9:04
